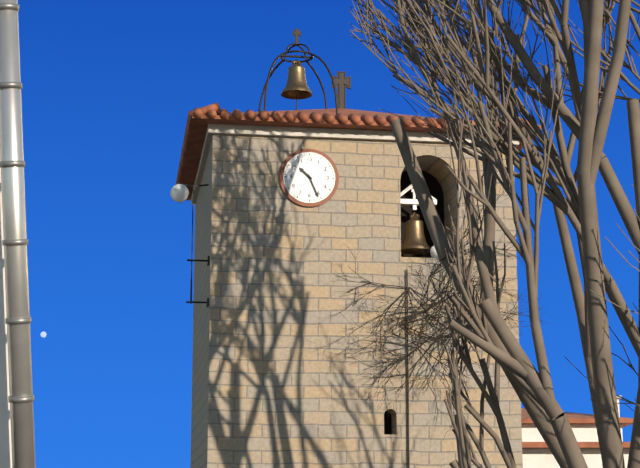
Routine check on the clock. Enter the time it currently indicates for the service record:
10:26
